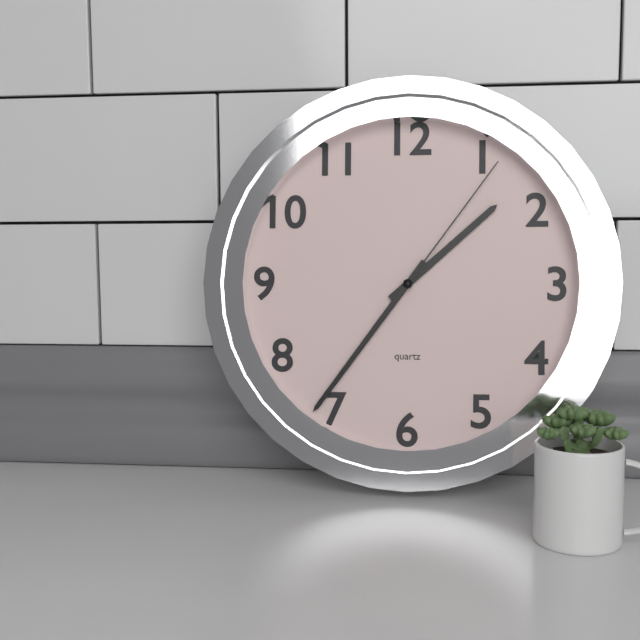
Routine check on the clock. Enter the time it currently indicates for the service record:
1:36:06
